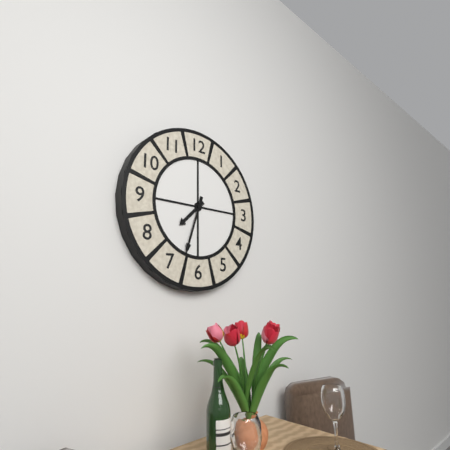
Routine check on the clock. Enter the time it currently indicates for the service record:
7:33
